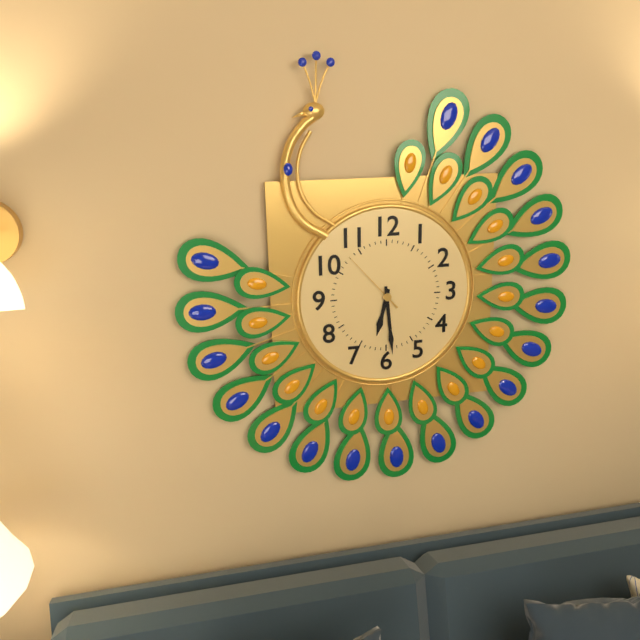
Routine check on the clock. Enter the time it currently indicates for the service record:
6:29:53
